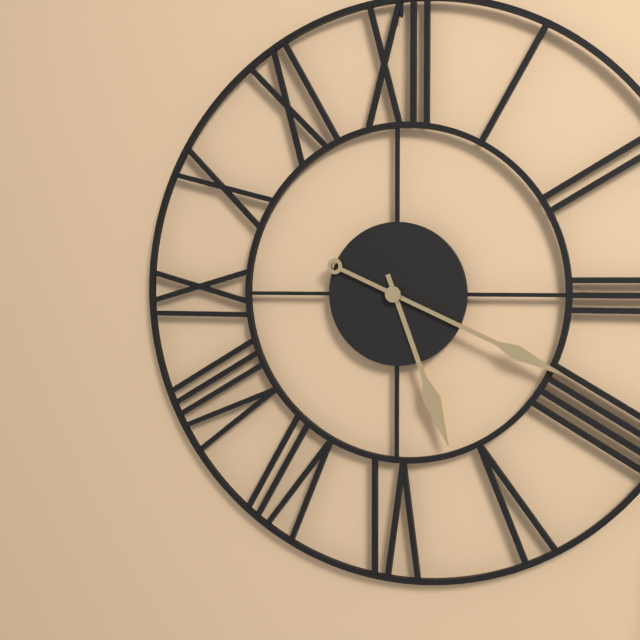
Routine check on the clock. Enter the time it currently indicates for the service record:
5:19
